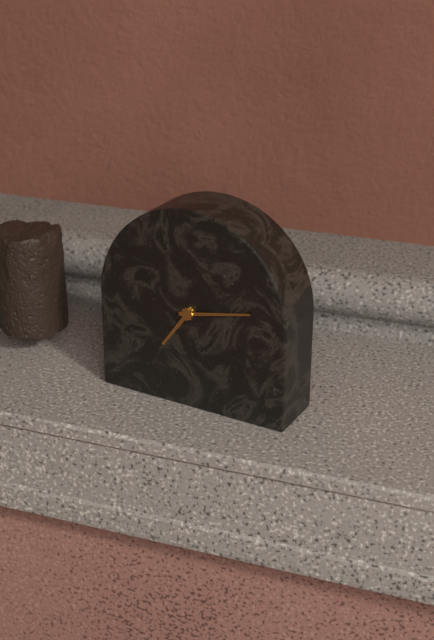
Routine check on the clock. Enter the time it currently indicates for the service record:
7:13
